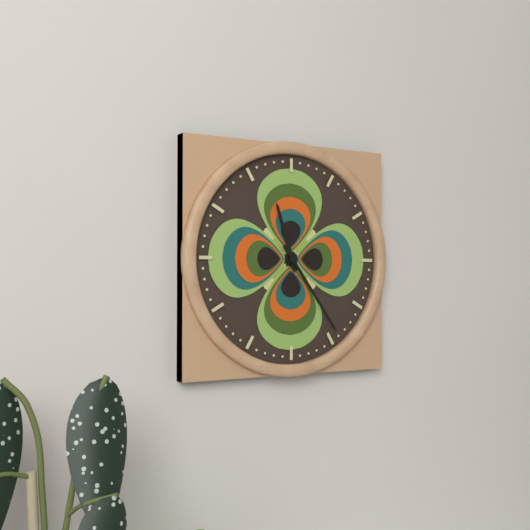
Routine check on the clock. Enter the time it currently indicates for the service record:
11:24
